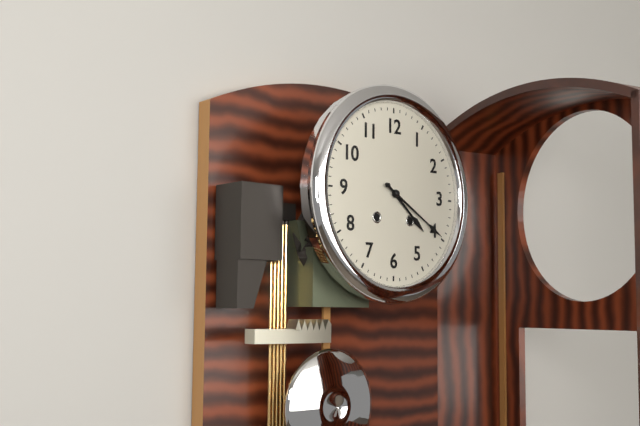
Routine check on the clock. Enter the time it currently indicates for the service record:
4:20
